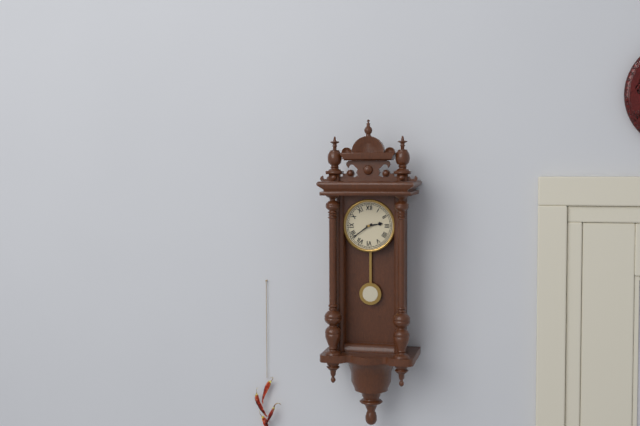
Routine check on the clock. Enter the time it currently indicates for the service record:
2:39
